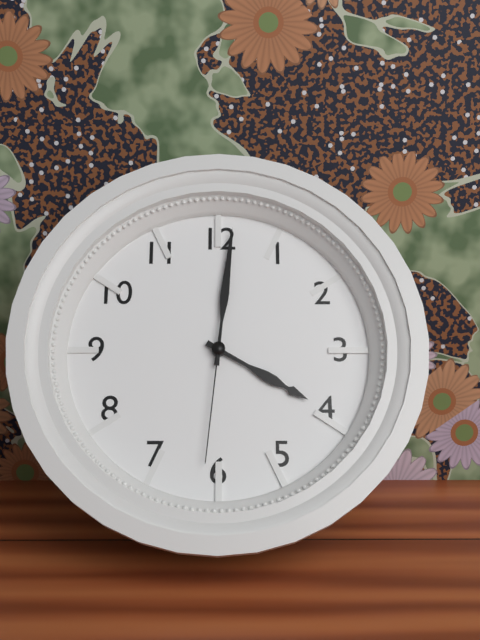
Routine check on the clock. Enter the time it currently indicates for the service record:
4:01:31
